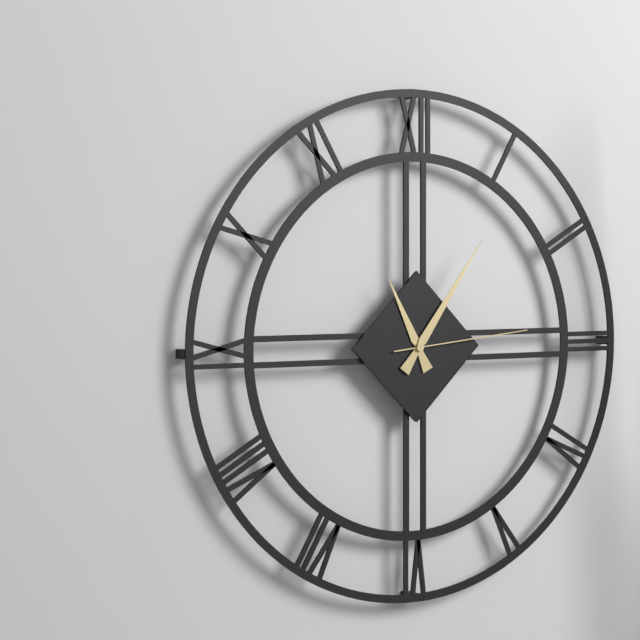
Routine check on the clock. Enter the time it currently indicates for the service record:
11:06:14
